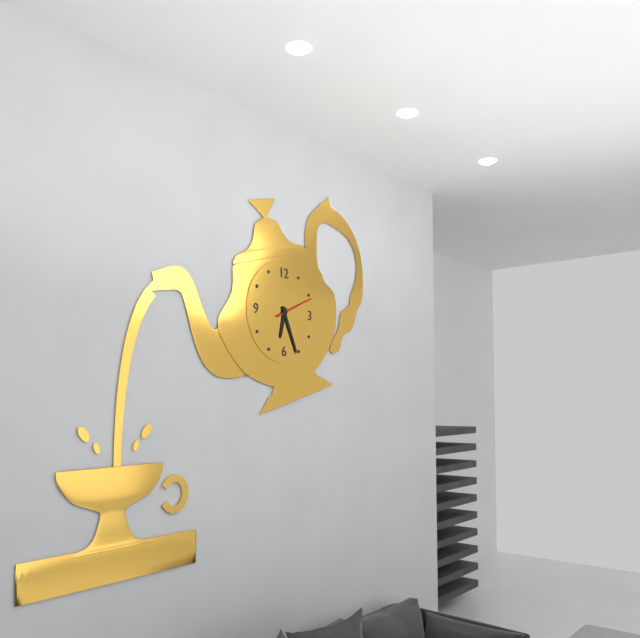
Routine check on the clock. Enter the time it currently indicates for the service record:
6:26
